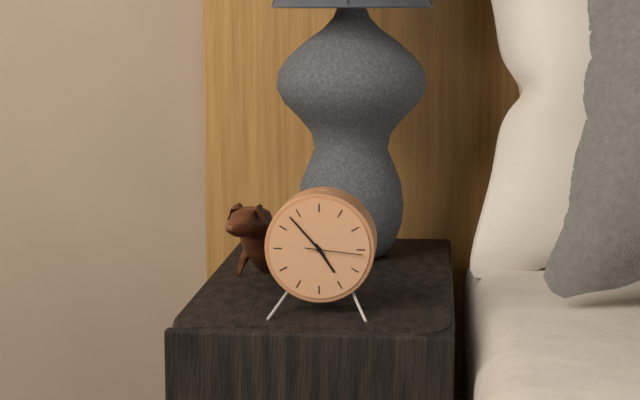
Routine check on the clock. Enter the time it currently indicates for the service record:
4:53:16
